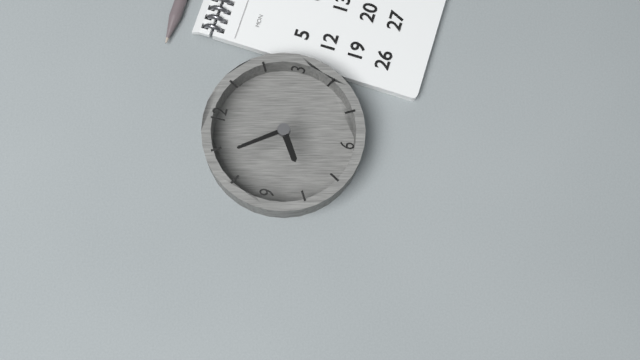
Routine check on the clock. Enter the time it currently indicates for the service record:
7:54
